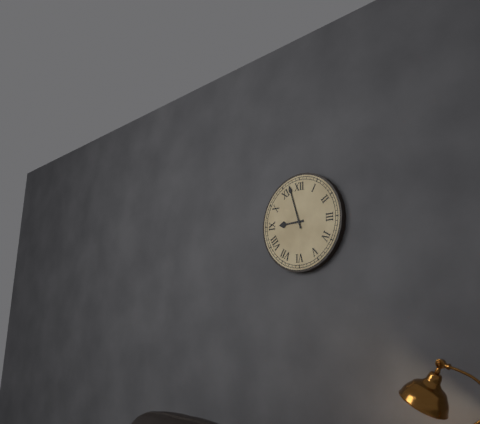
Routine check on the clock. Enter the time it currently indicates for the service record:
8:57
